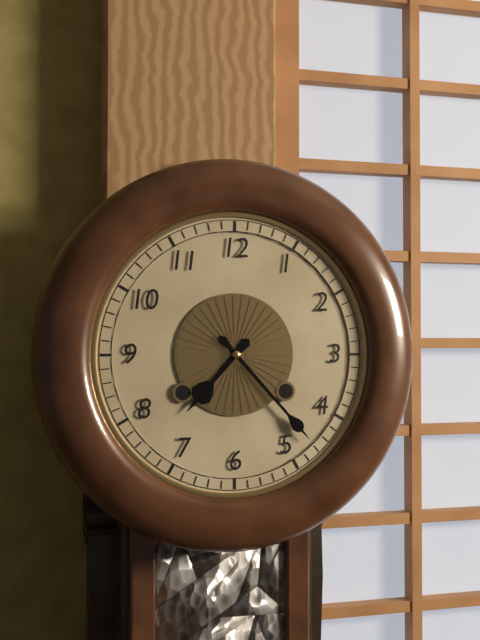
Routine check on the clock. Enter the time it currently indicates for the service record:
7:23
